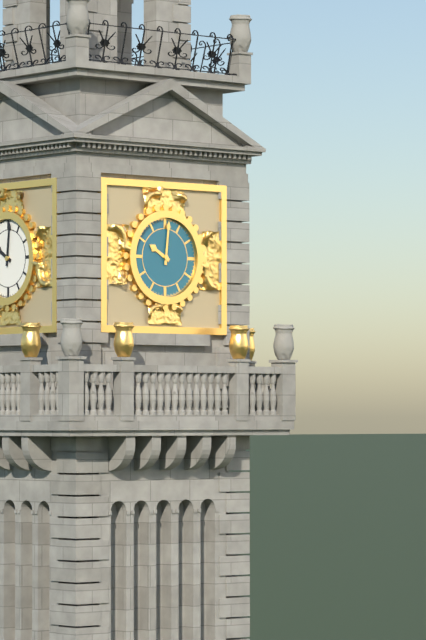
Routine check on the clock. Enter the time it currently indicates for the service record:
10:01
